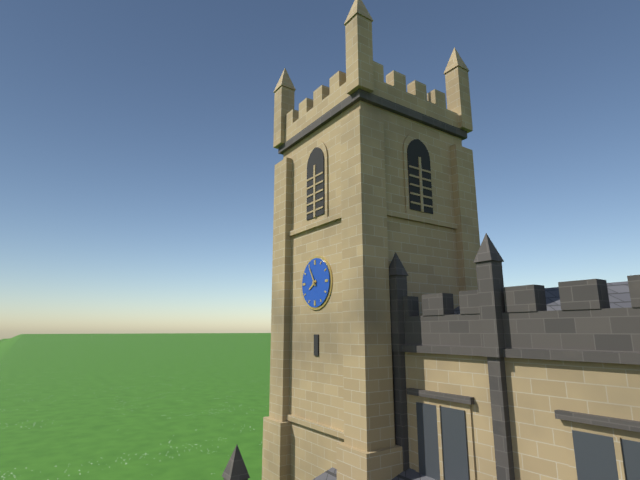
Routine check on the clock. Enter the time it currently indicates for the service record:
7:55
